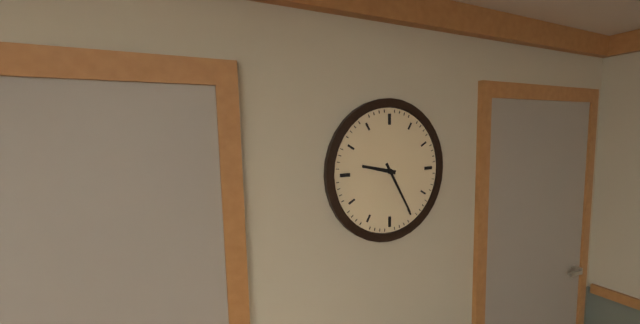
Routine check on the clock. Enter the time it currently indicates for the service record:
9:25
